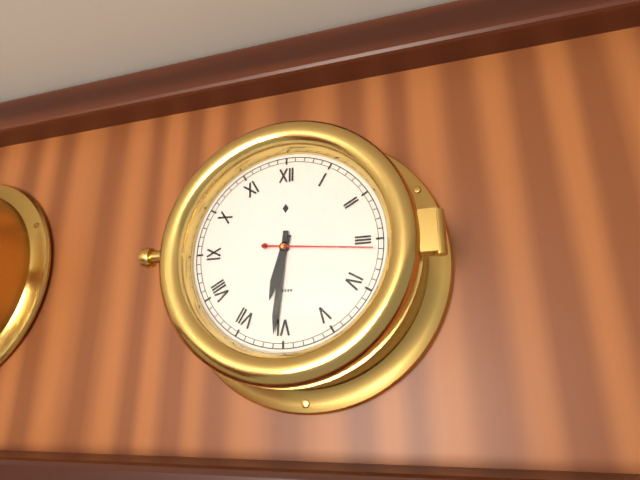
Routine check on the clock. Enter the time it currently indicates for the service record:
6:31:16
